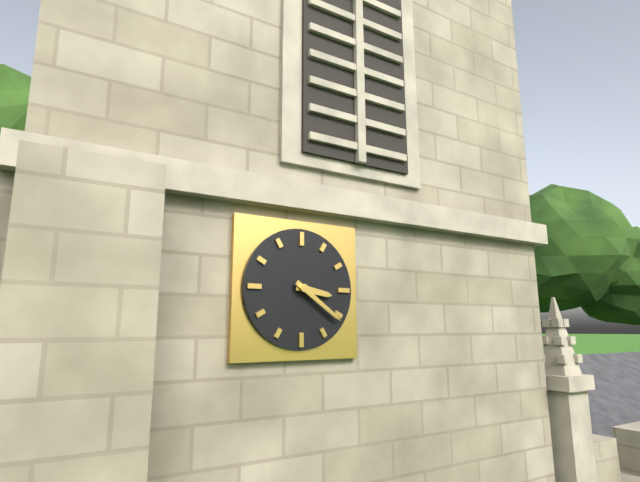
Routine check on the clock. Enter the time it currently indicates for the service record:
3:21
